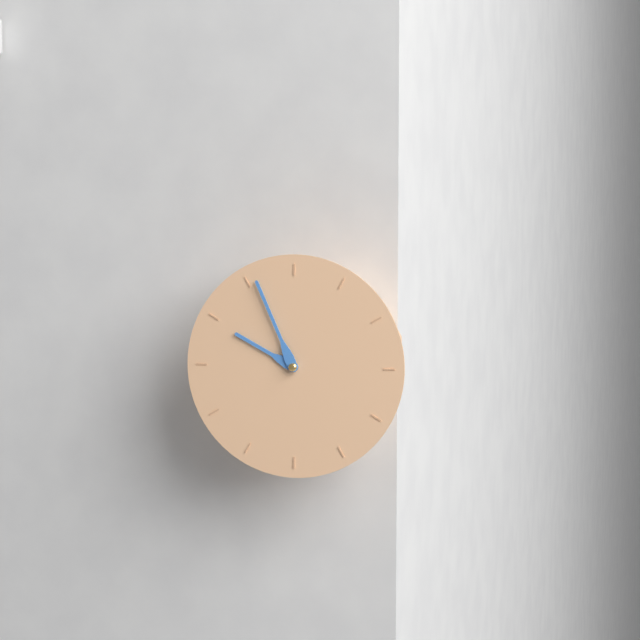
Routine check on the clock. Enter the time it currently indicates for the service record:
9:56
